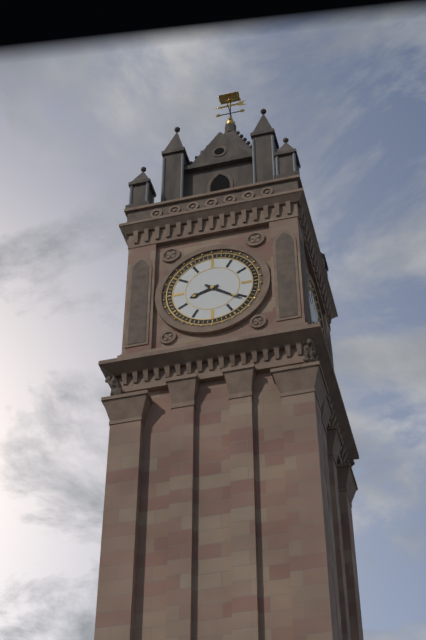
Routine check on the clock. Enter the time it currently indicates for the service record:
8:21
